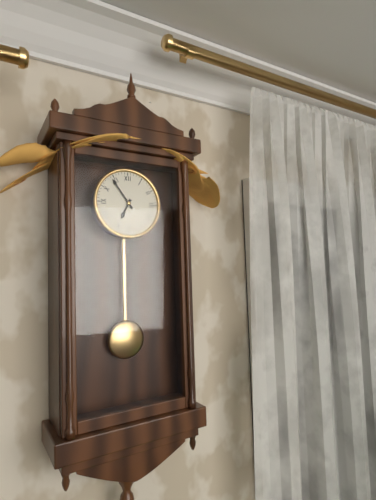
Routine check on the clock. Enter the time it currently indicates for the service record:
6:54
